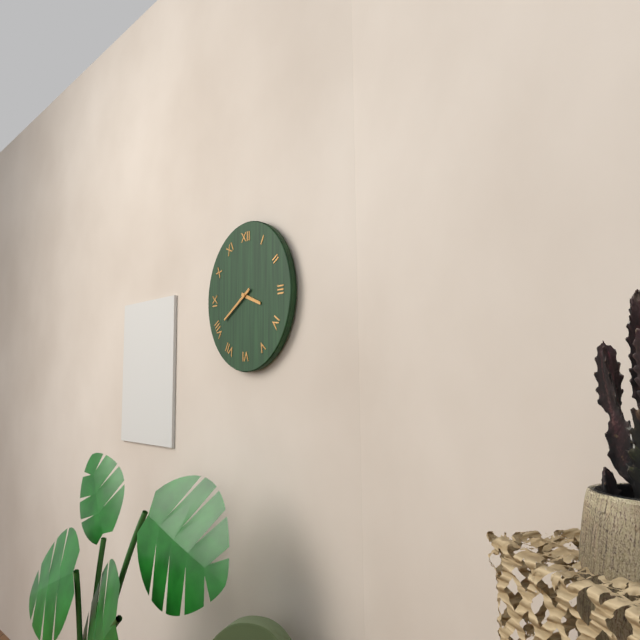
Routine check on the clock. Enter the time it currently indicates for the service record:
3:40
